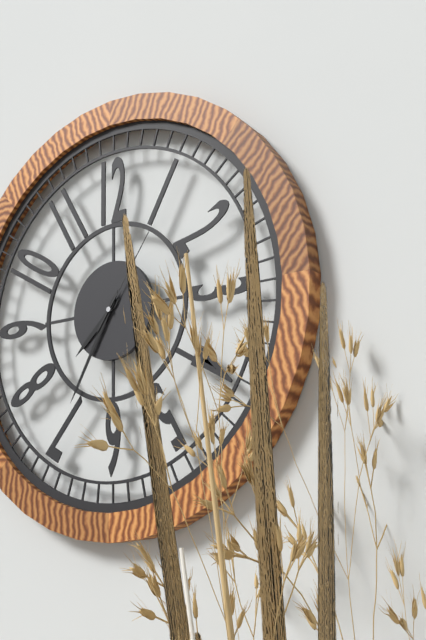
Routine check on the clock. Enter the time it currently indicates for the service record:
7:35:06
